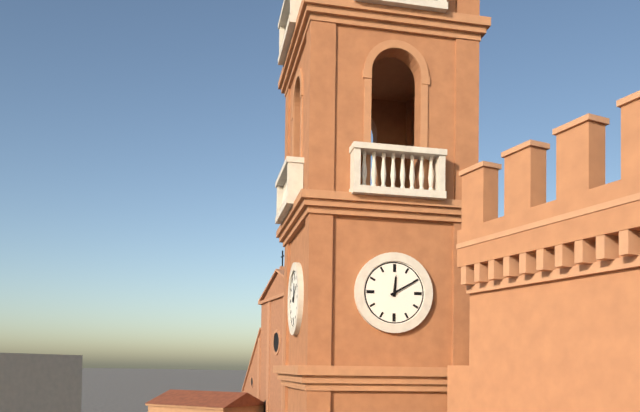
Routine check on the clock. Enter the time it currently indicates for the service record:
12:10
